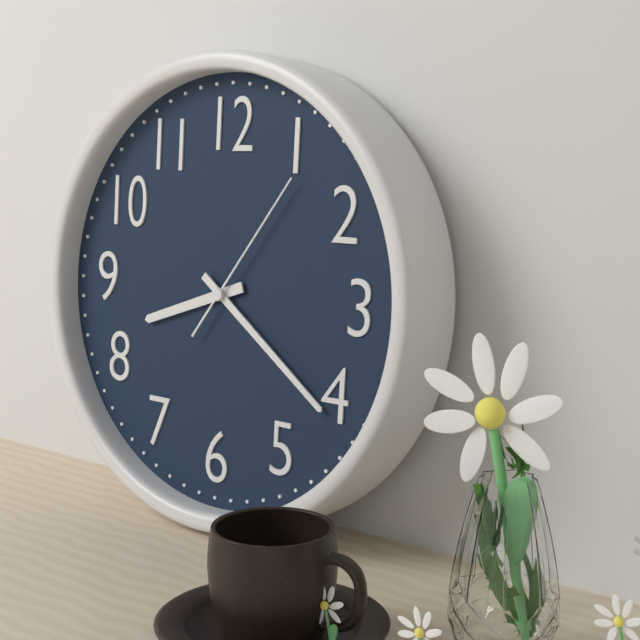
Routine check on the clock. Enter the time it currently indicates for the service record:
8:21:06
